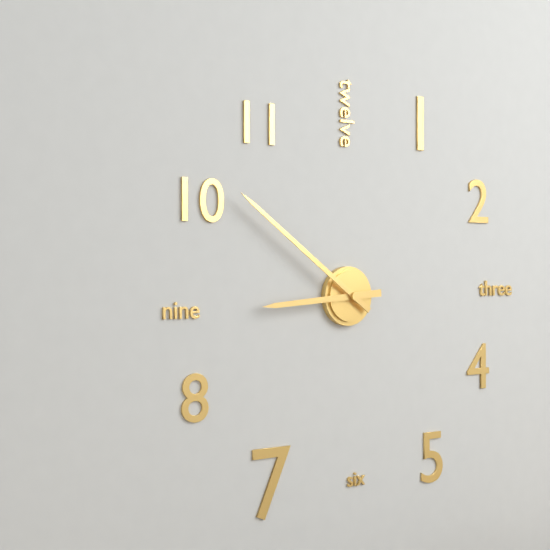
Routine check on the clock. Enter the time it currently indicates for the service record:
8:51
